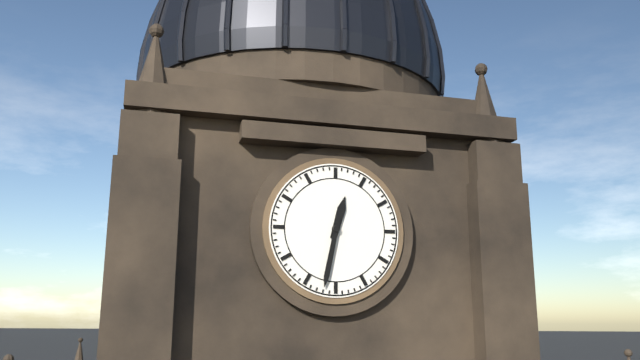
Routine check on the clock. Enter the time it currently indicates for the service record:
12:32
